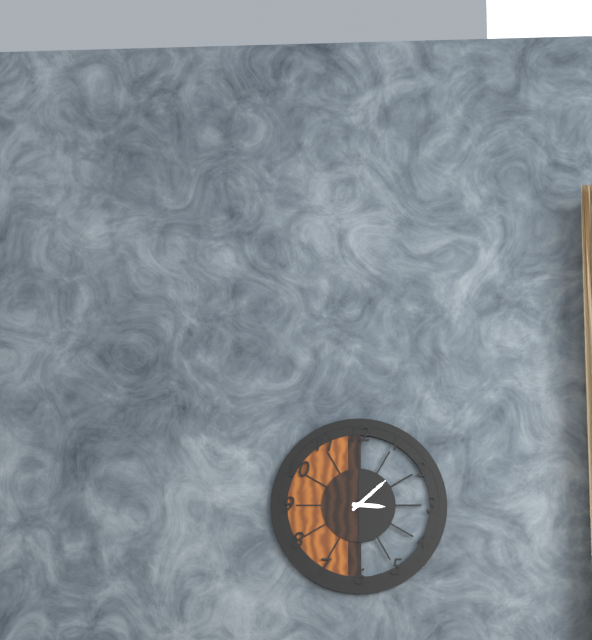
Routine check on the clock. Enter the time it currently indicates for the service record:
3:08
